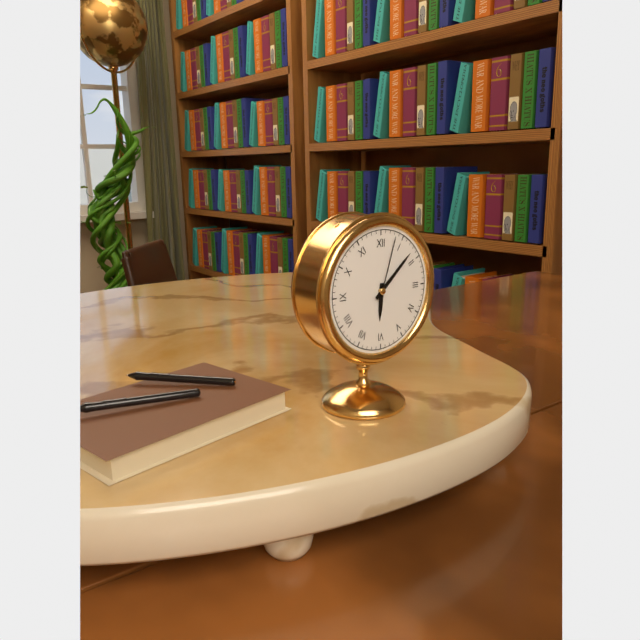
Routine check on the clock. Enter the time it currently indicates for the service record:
6:08:03
